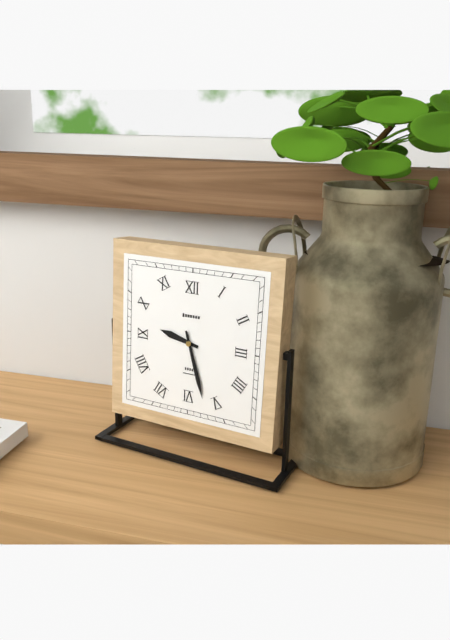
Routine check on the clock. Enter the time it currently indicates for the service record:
9:27
